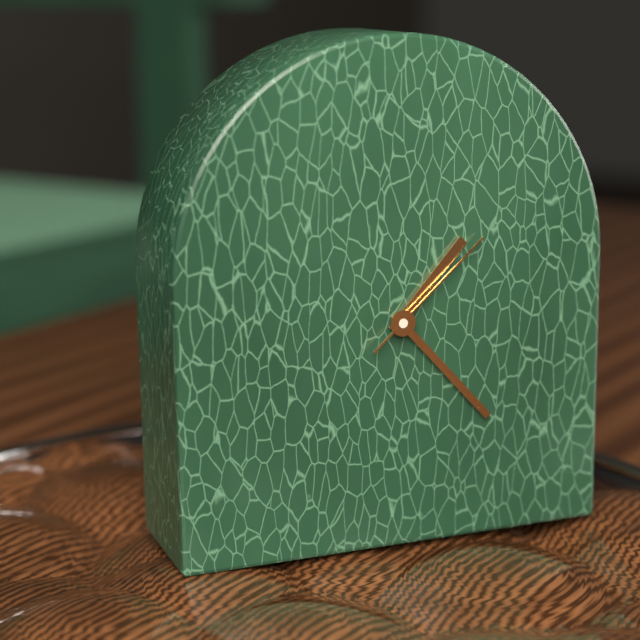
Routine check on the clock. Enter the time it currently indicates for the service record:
1:23:08
